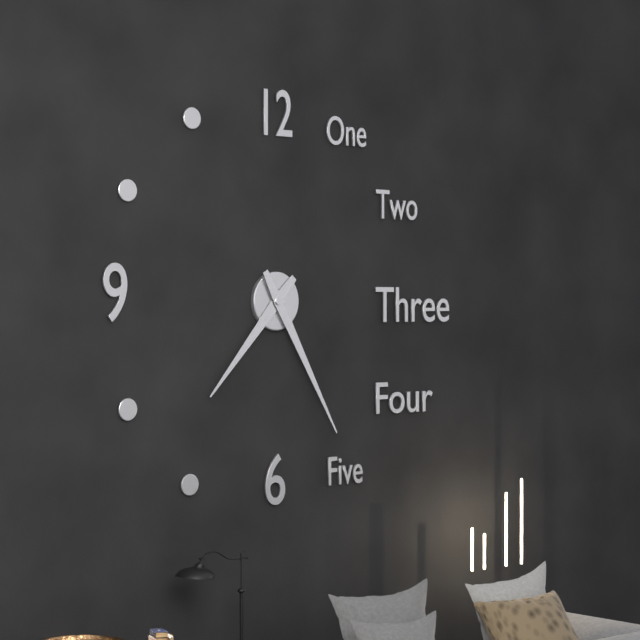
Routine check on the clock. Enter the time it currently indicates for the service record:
7:25
